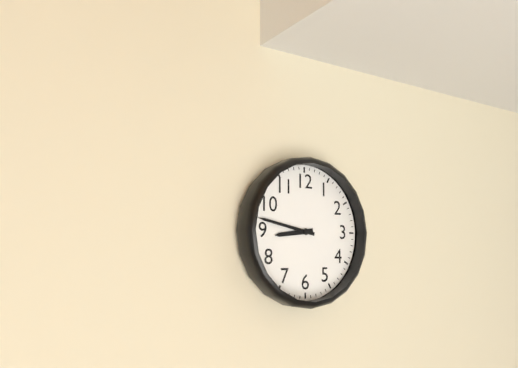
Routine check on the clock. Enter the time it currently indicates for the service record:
8:47
